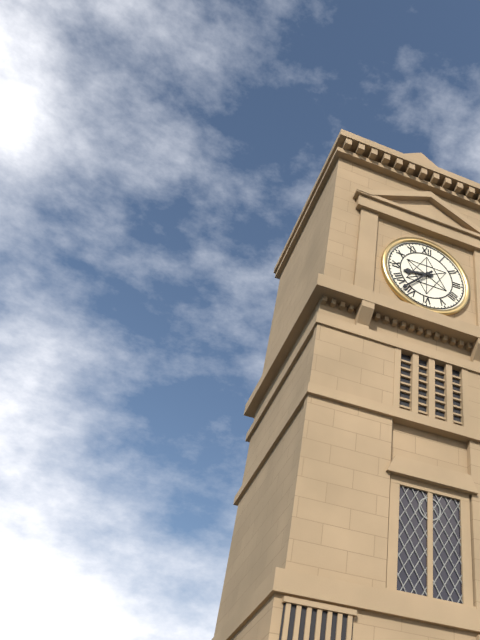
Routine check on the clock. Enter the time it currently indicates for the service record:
8:37
